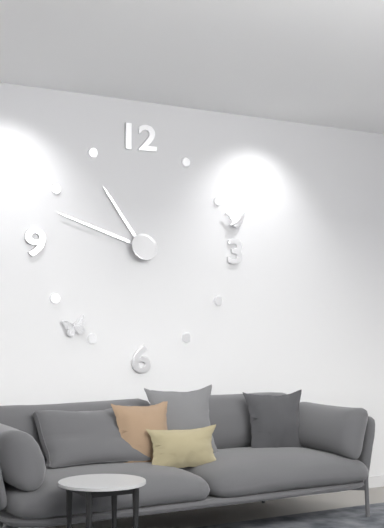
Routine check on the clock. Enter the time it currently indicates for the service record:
10:48
